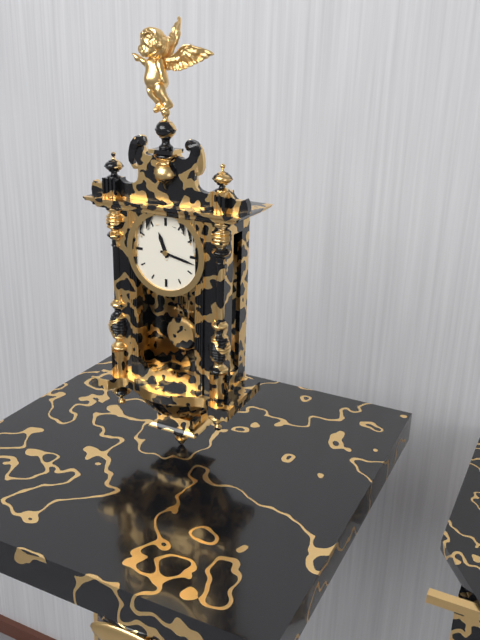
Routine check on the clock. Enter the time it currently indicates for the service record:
11:17
